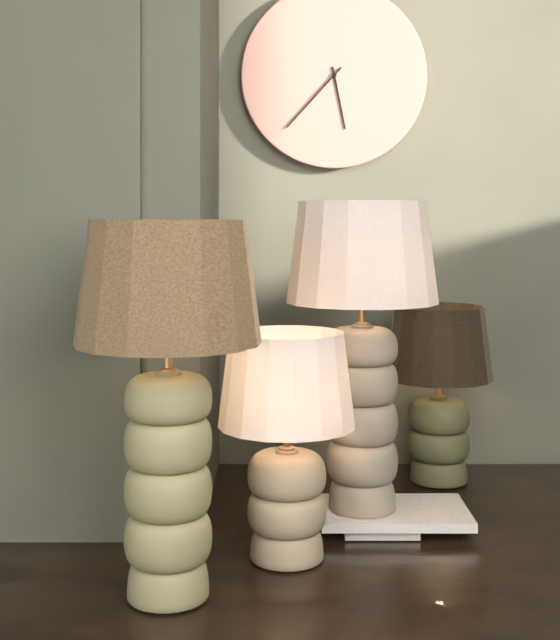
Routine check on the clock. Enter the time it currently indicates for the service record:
5:37
